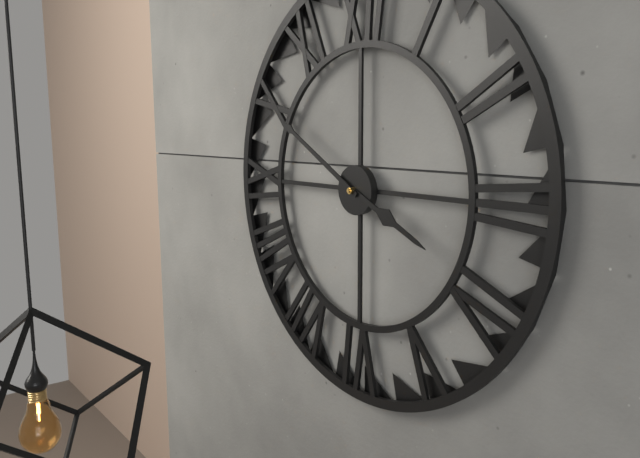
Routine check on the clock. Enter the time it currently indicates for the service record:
3:50
